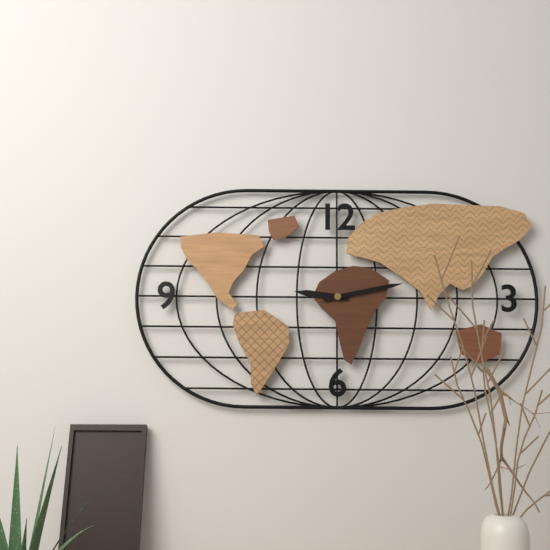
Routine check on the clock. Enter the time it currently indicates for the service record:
9:13
